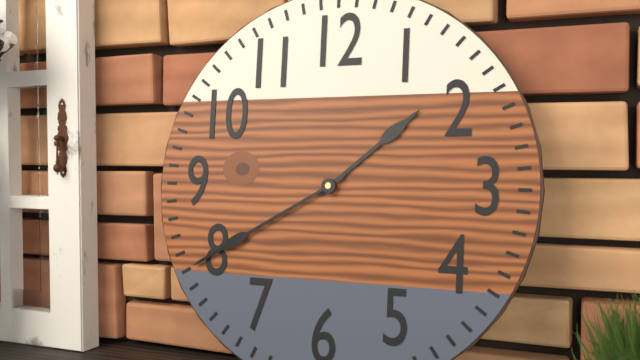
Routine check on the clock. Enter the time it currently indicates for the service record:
1:40
